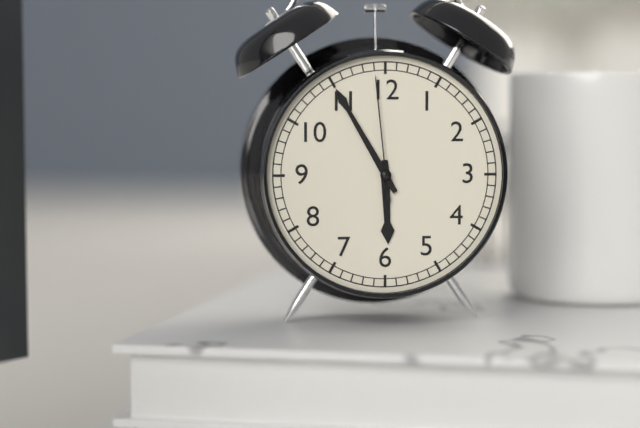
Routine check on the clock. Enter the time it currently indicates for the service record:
5:55:59
